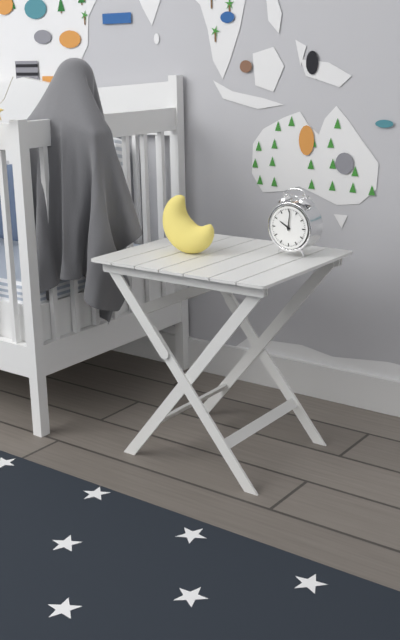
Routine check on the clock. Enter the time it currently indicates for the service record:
10:01
